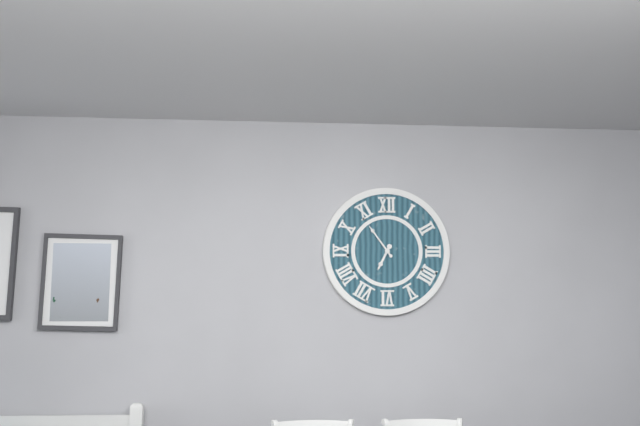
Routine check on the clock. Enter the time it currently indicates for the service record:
6:54
